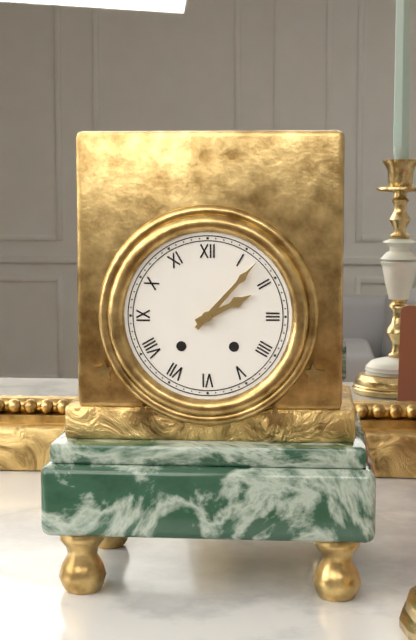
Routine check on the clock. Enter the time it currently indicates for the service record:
2:07
